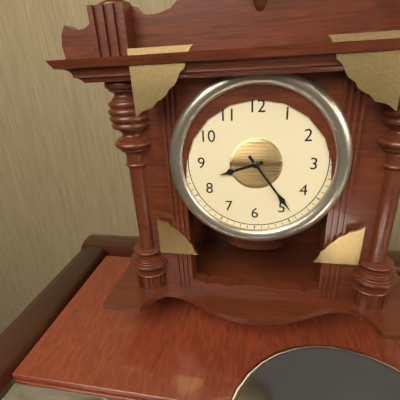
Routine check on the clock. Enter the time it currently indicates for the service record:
8:24
